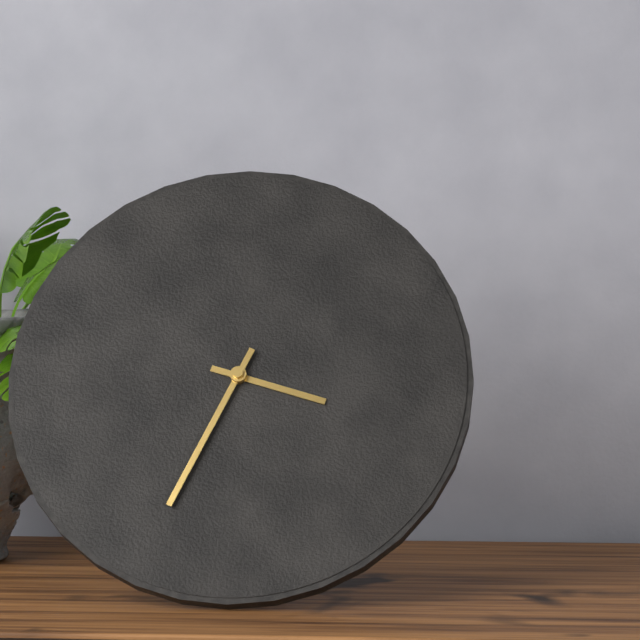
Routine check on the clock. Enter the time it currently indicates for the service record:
3:34
